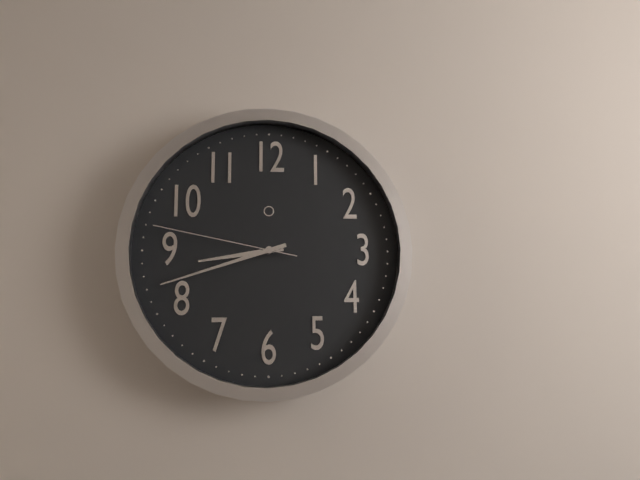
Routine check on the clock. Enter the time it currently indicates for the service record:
8:42:47
